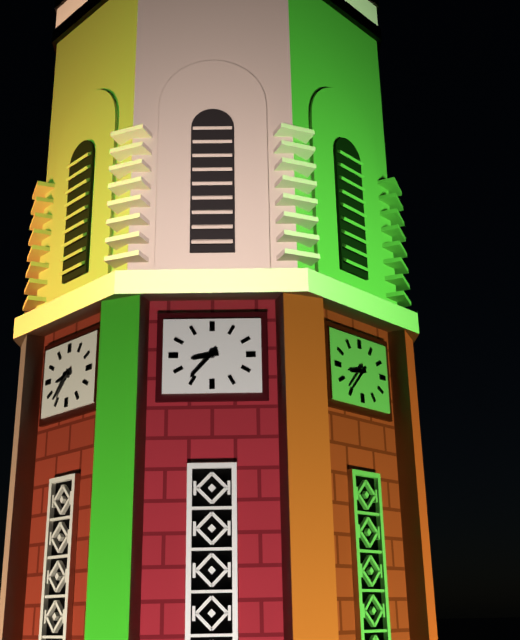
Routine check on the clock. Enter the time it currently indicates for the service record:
8:37
